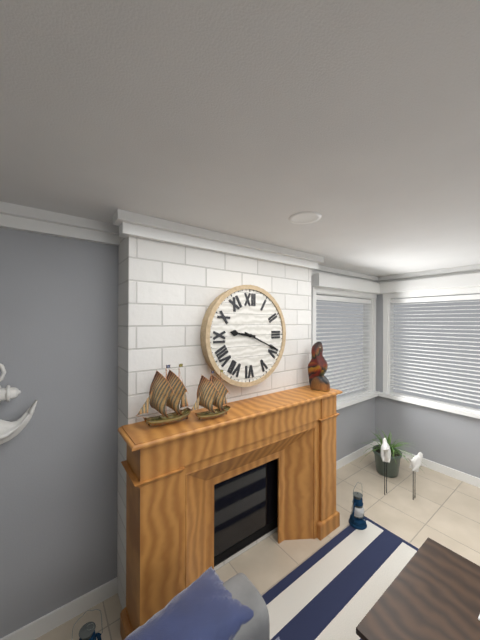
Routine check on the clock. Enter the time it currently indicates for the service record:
9:19
